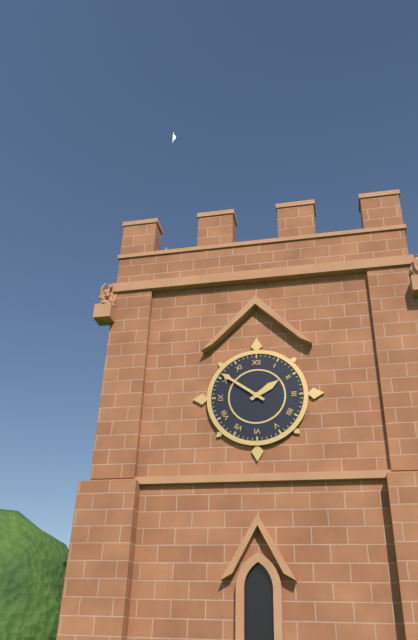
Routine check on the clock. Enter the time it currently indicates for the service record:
1:51
